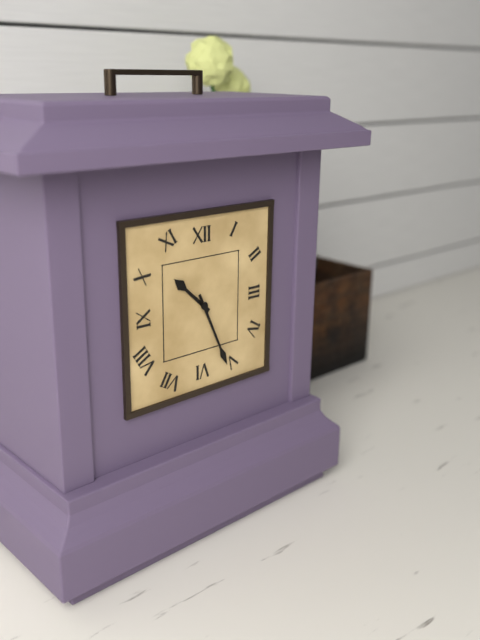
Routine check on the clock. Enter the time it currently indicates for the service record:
10:26
